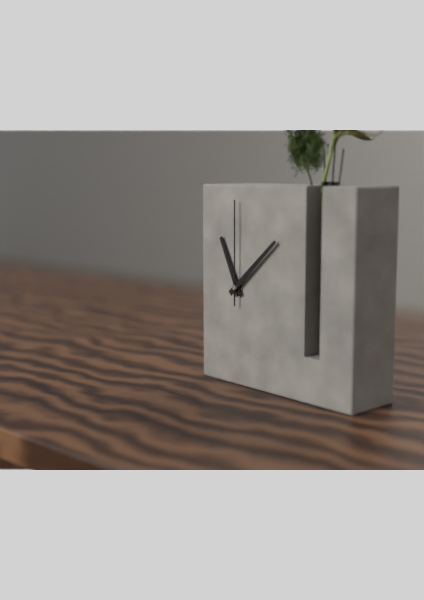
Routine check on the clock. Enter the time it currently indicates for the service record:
11:08:00
